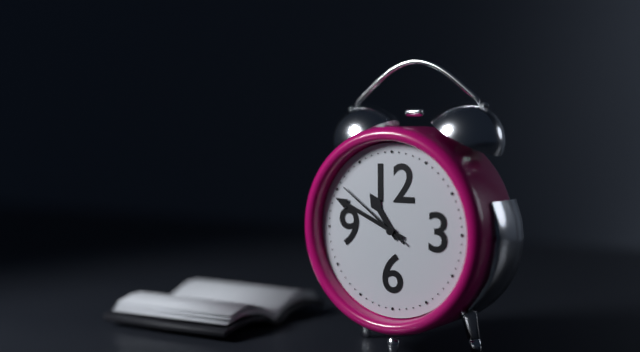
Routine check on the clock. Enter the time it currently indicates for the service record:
10:49:51
